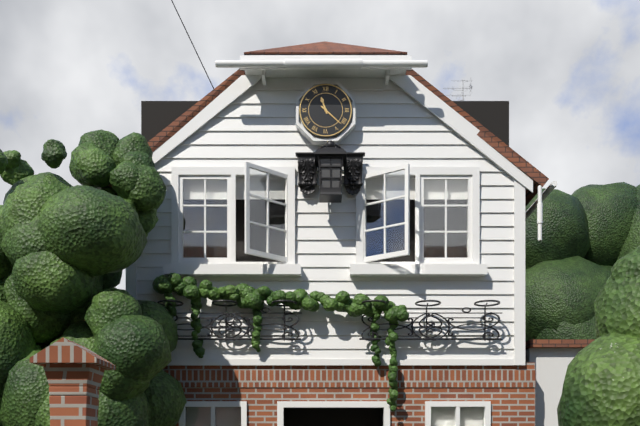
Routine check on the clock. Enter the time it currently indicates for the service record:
11:22
